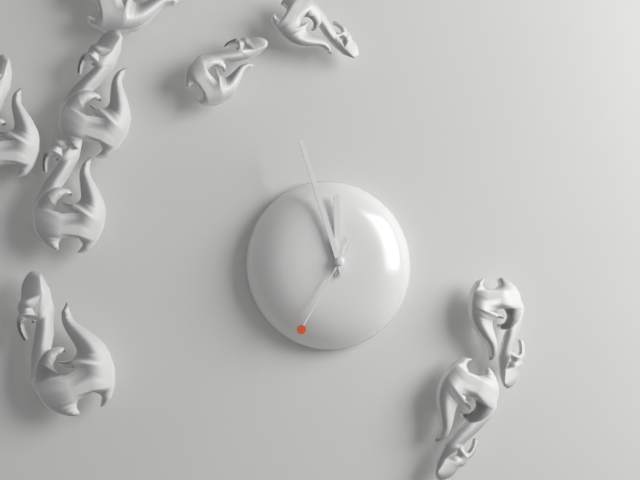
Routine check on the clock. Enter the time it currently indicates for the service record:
11:57:35
